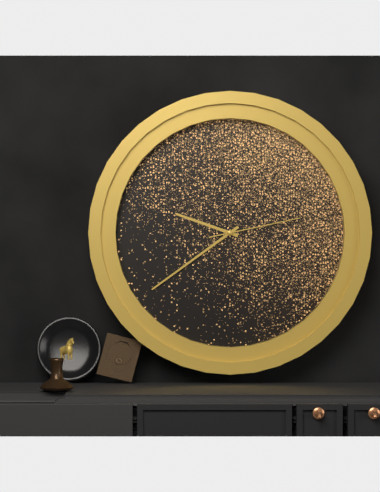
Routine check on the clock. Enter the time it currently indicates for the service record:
9:39:13
